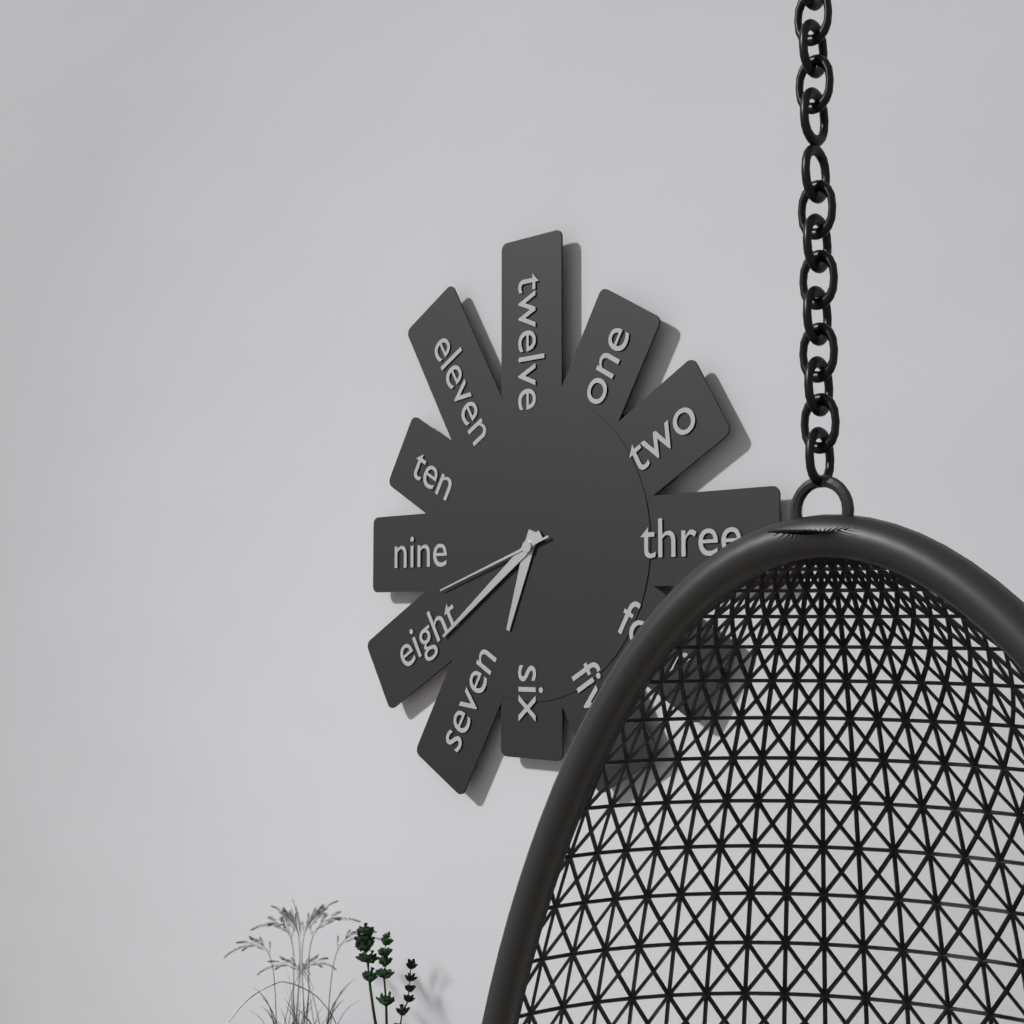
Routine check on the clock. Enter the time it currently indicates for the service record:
6:39:42
